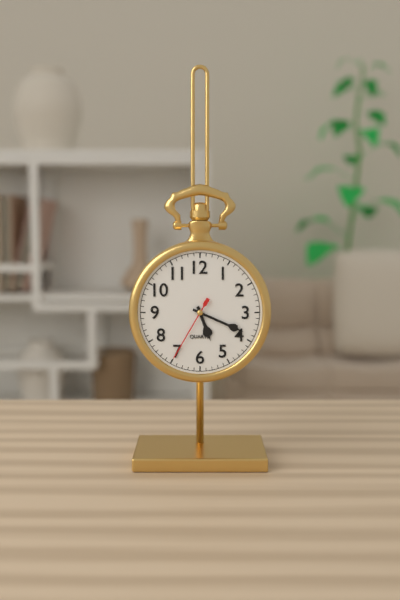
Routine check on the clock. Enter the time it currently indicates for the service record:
5:19:35
